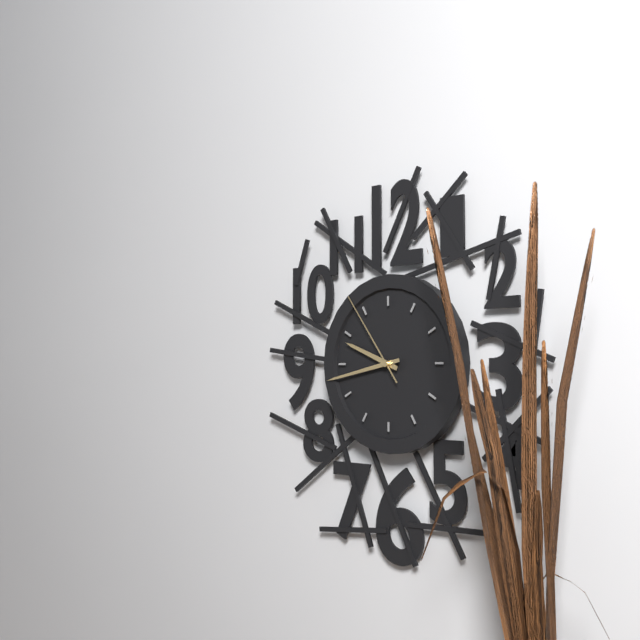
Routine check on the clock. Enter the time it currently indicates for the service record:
9:43:54
